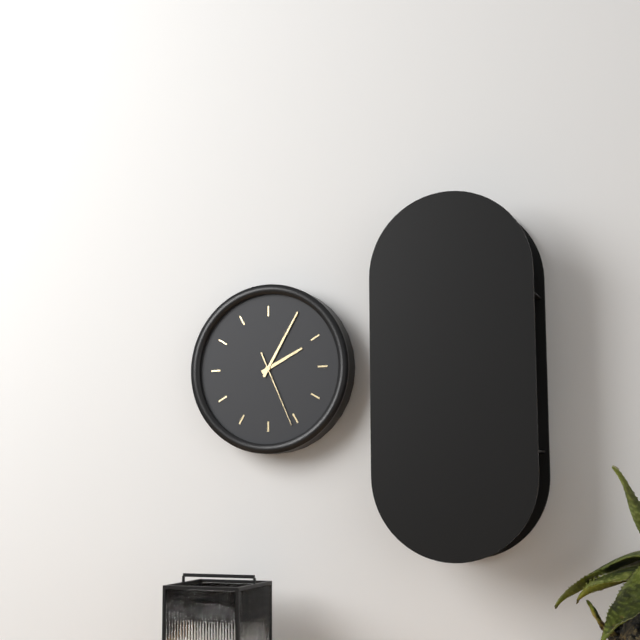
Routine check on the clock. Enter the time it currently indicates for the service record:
2:05:26
